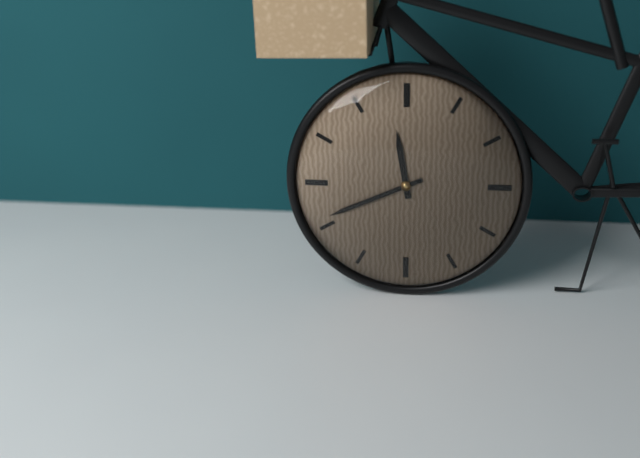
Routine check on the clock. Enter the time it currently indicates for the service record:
11:41
